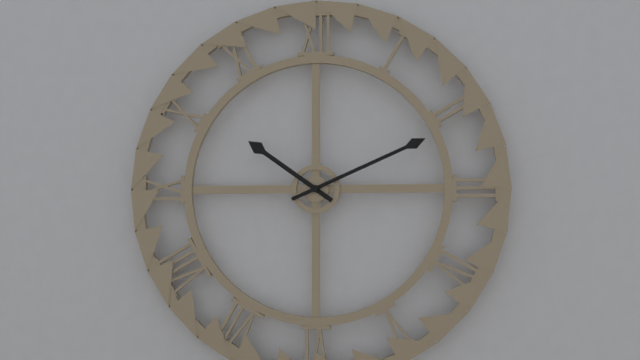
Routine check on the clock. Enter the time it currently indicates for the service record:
10:11
